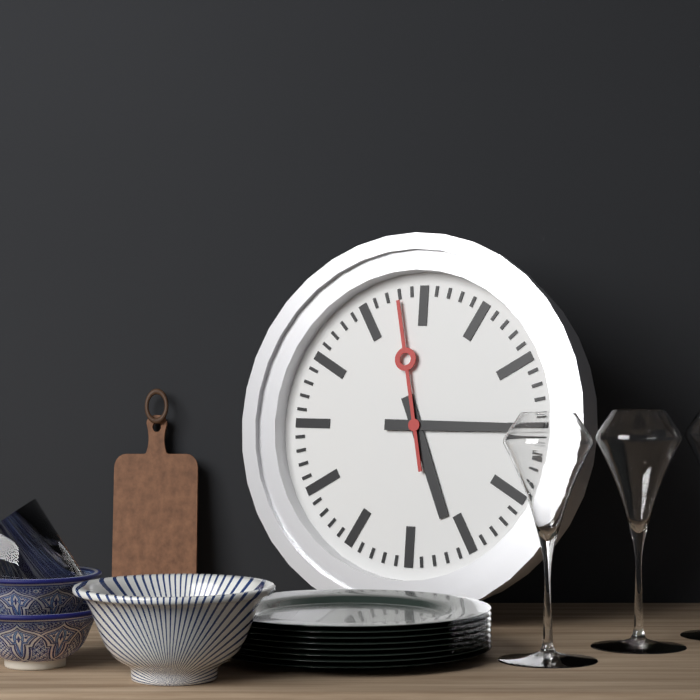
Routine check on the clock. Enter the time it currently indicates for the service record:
5:15:58
